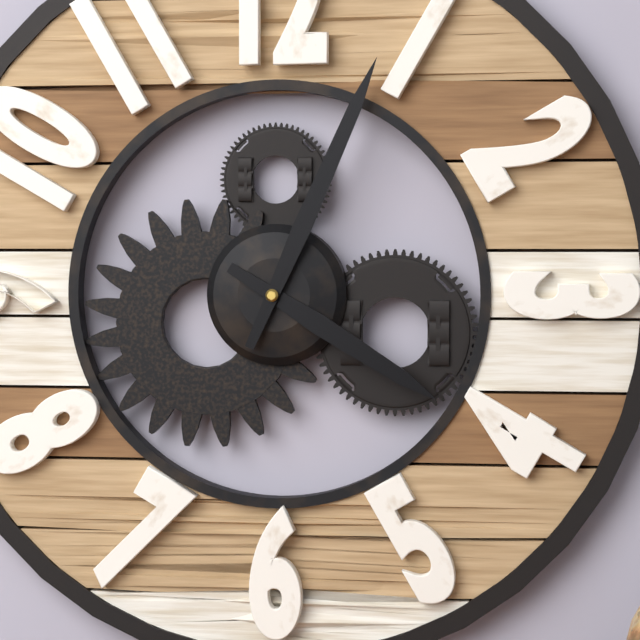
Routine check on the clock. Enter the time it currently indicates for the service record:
4:04
